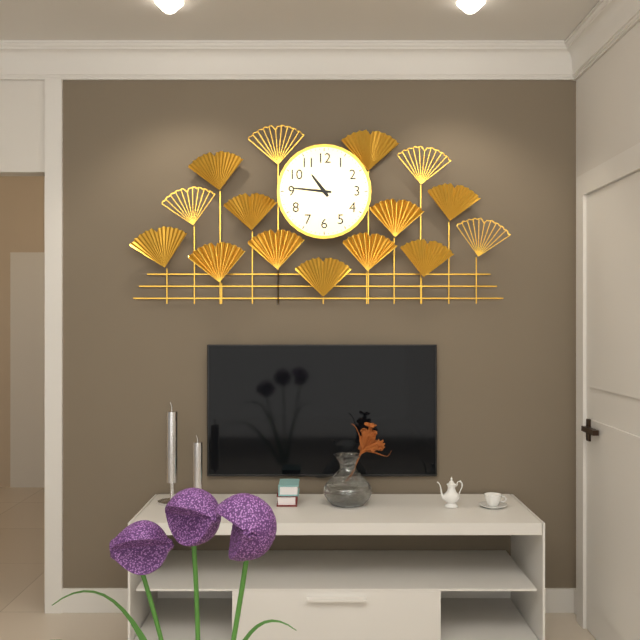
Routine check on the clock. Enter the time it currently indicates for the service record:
10:46
